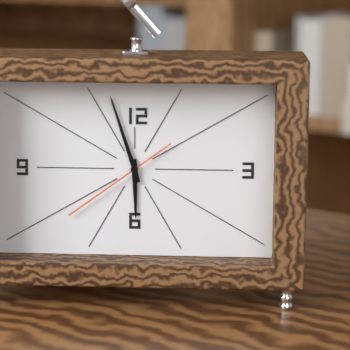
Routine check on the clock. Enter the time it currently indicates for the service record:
5:57:39
